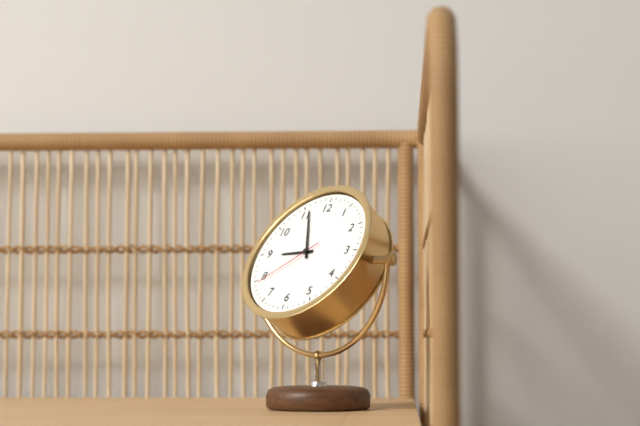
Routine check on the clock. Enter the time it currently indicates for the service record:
8:56:39
